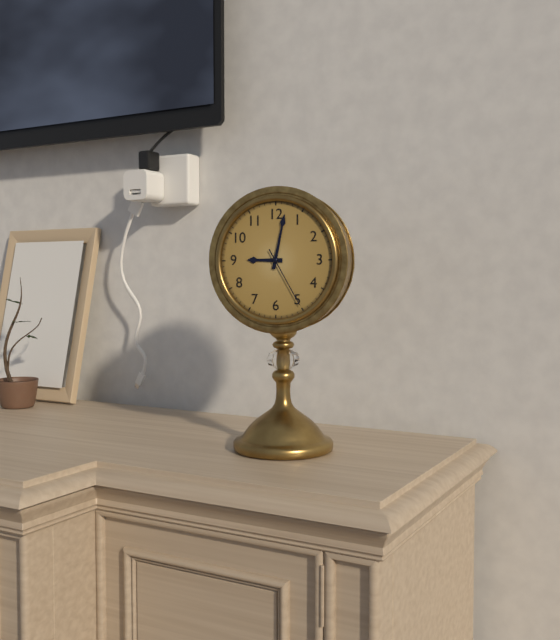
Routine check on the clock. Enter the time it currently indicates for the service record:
9:02:25
